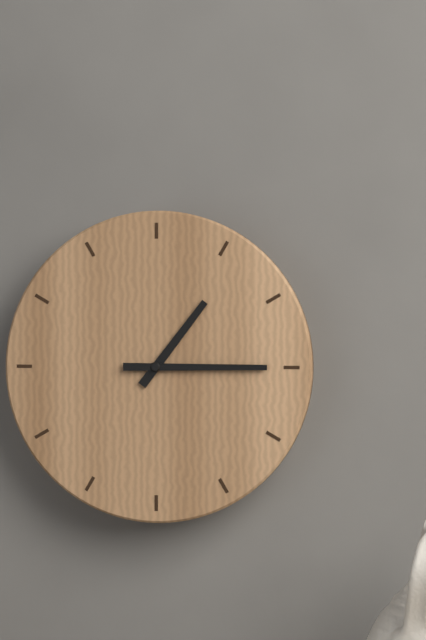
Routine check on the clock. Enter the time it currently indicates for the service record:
1:15
